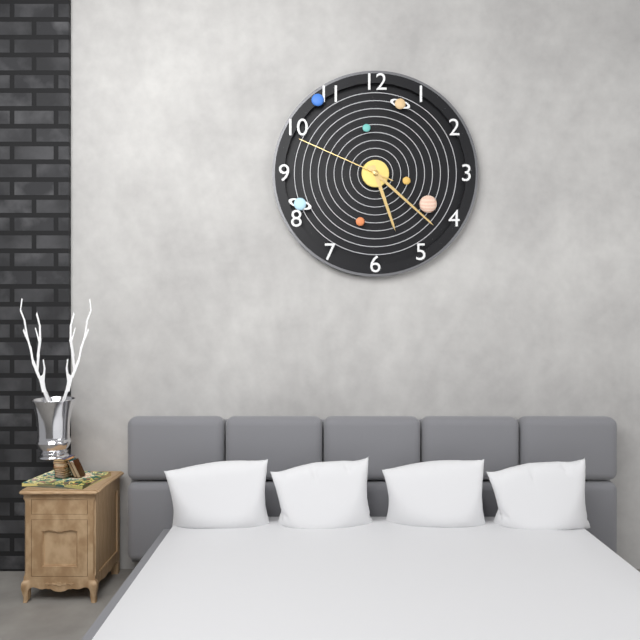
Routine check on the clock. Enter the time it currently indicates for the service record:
5:22:49
